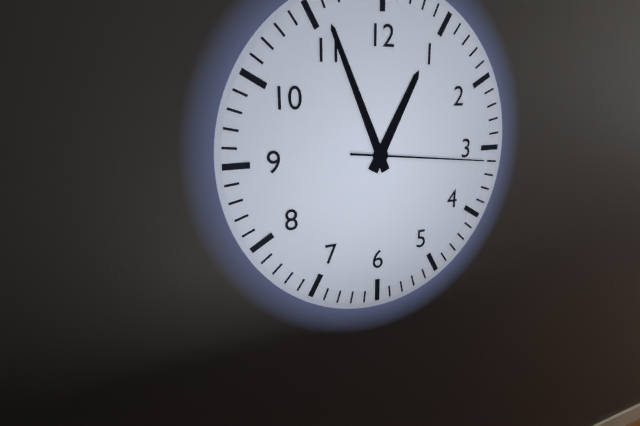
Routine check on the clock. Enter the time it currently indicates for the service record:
12:56:16
